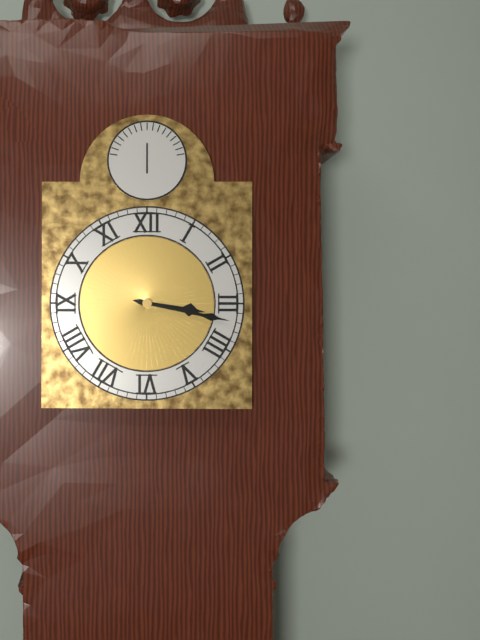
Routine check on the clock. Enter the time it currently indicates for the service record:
3:17
